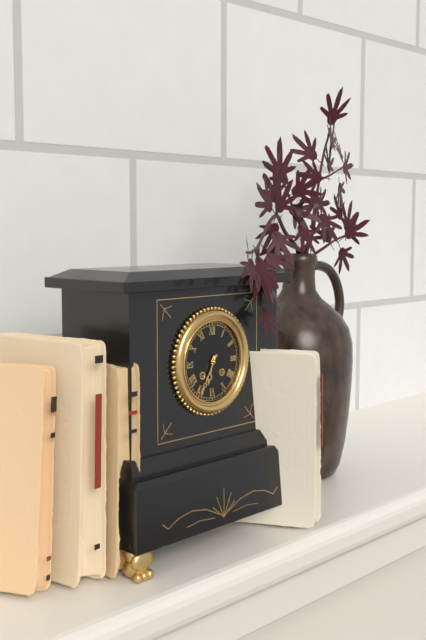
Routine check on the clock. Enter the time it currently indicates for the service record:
6:35
